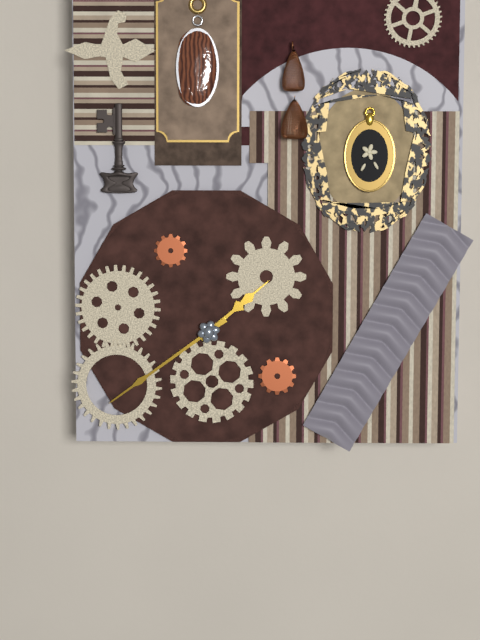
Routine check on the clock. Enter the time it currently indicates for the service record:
1:39
